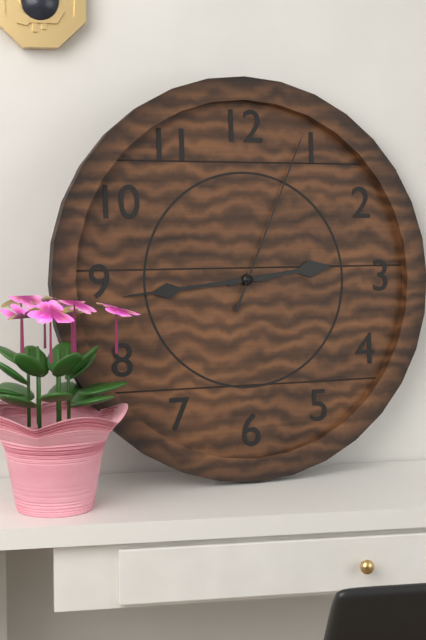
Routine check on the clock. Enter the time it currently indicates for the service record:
2:44:04
